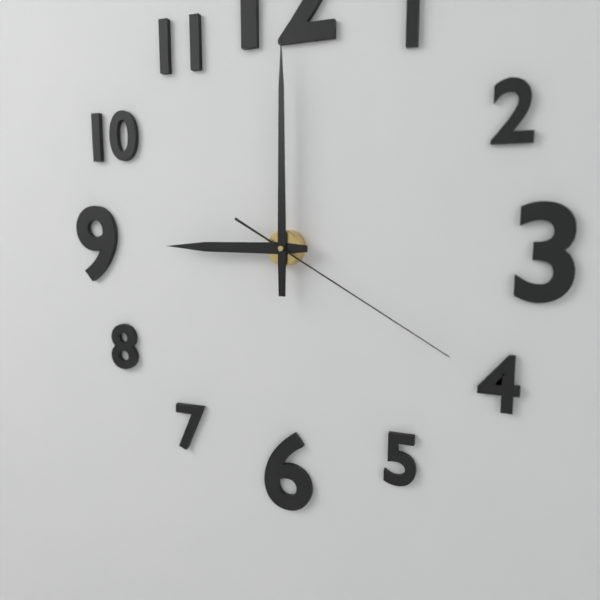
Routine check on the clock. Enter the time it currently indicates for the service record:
9:00:20
